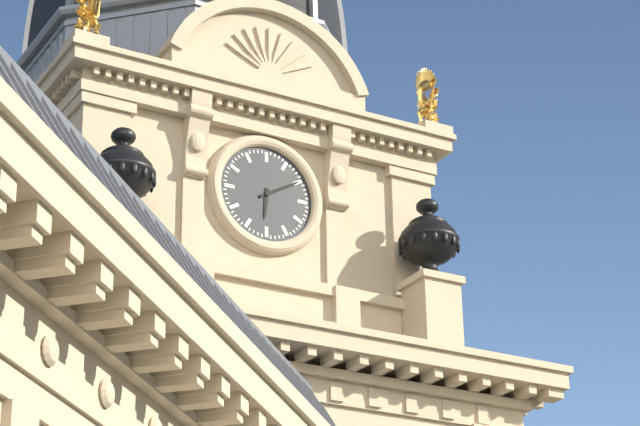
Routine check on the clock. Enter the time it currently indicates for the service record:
6:10
